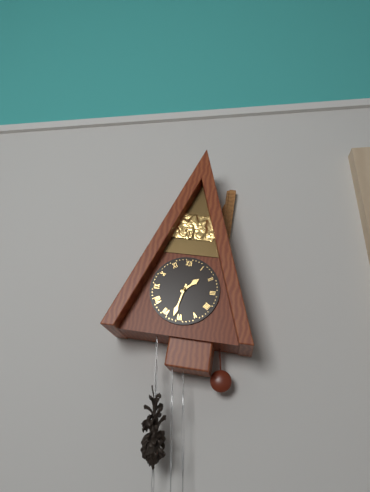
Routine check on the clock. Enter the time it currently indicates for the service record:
1:32
